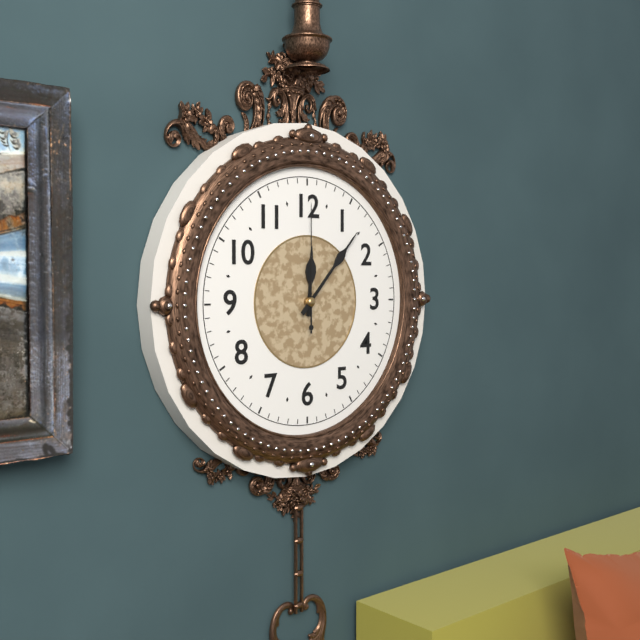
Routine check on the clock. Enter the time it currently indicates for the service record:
12:07:00
